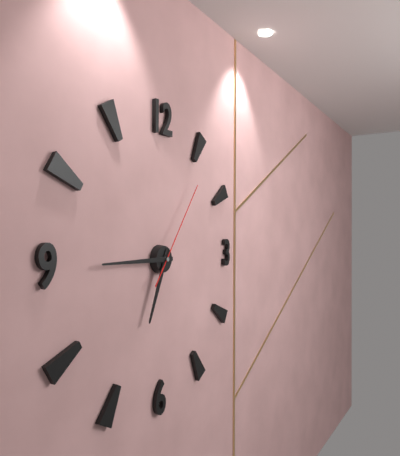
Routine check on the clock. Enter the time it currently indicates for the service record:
6:45:06
